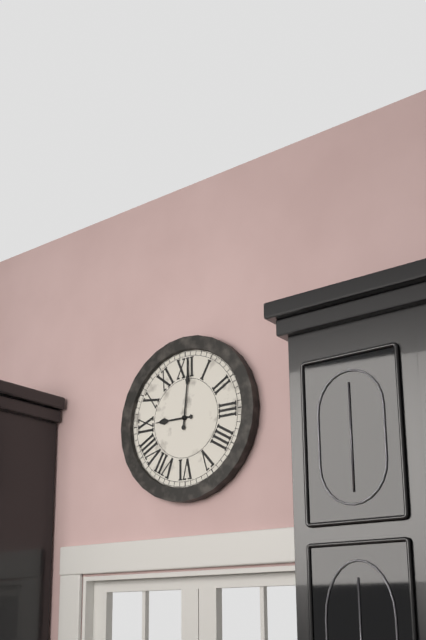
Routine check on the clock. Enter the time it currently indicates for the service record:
9:01
